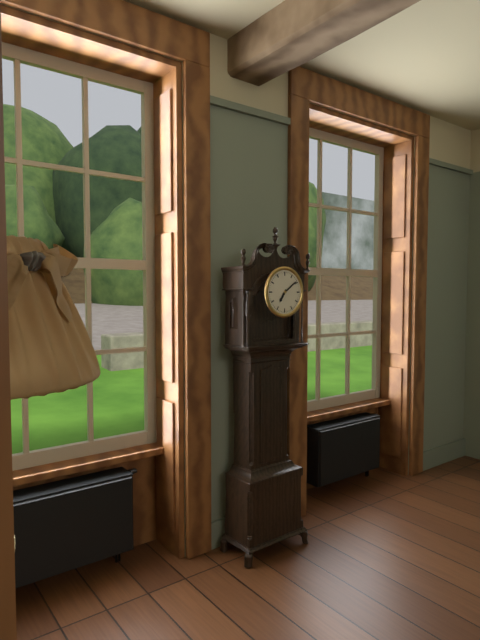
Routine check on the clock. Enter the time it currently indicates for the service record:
7:09
